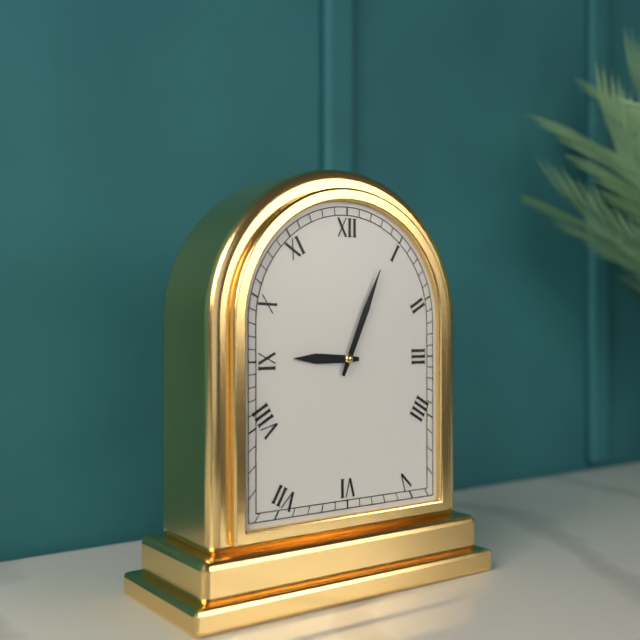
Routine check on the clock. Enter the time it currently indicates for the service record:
9:04
